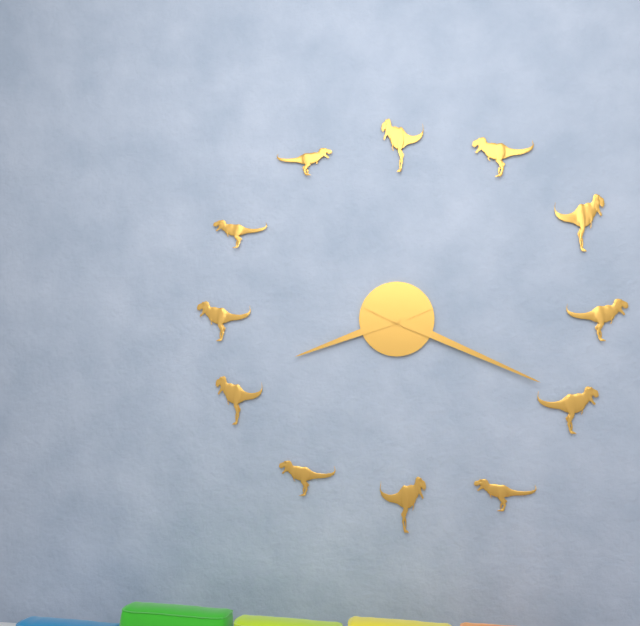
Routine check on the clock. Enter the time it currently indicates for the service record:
8:19
